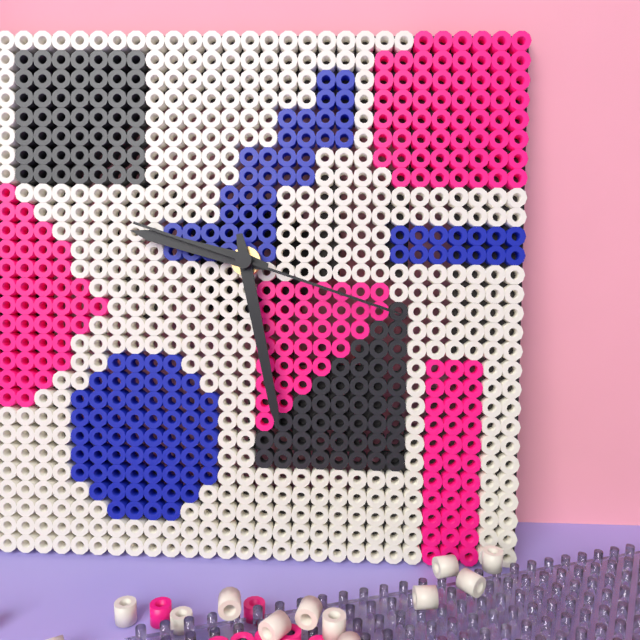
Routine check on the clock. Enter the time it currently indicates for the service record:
9:28:18
